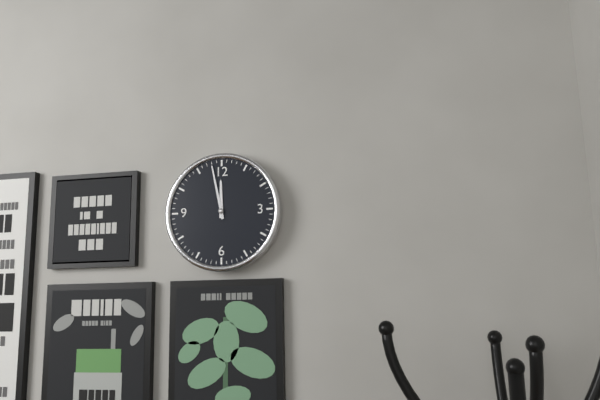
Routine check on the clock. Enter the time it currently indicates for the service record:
11:58
